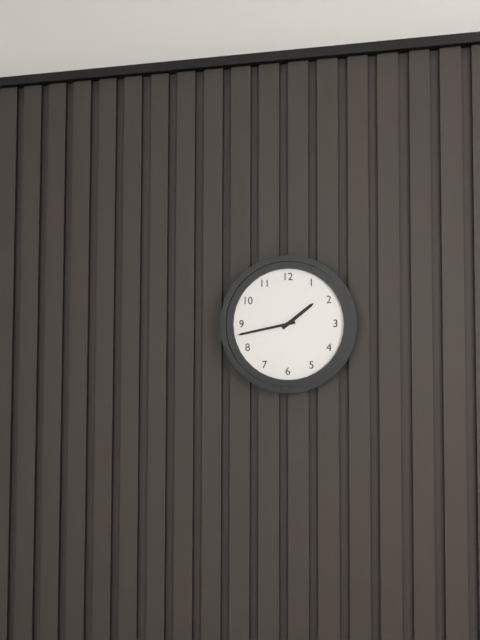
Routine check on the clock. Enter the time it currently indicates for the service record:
1:43
